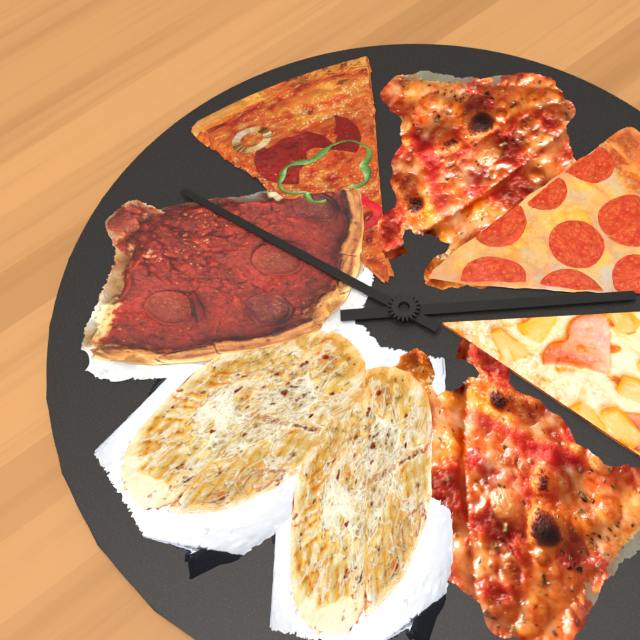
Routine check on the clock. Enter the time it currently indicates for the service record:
7:12
